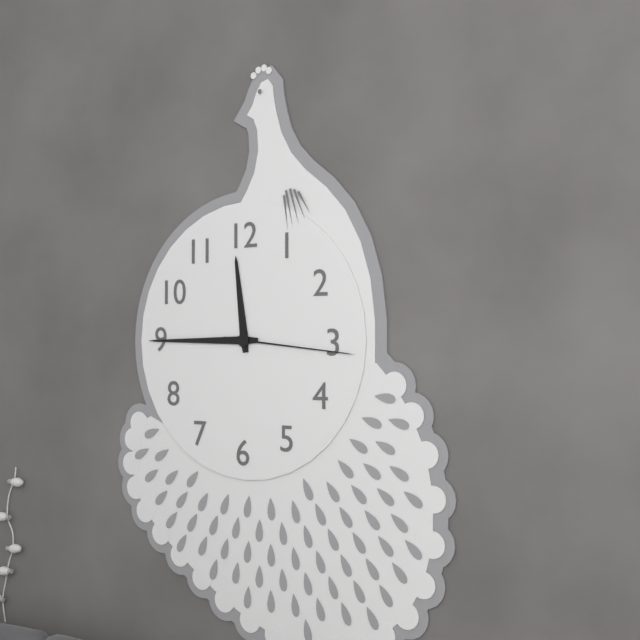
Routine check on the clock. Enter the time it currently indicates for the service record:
11:45:16
